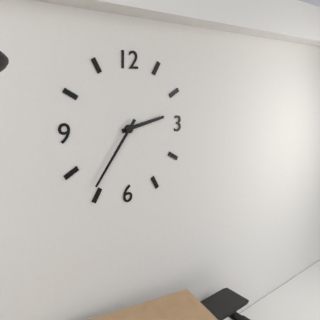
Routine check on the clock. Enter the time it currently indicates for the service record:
2:36
